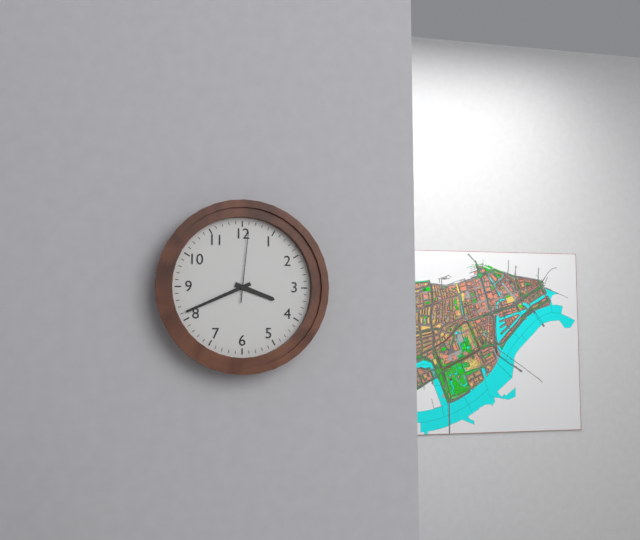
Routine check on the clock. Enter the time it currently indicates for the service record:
3:41:01
